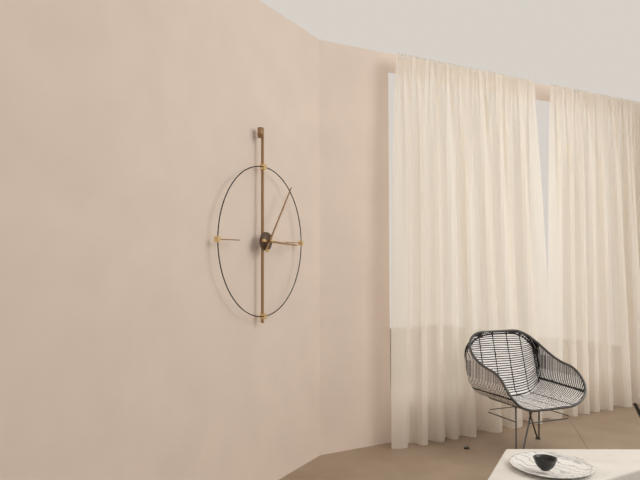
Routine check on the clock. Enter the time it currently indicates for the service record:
3:06
